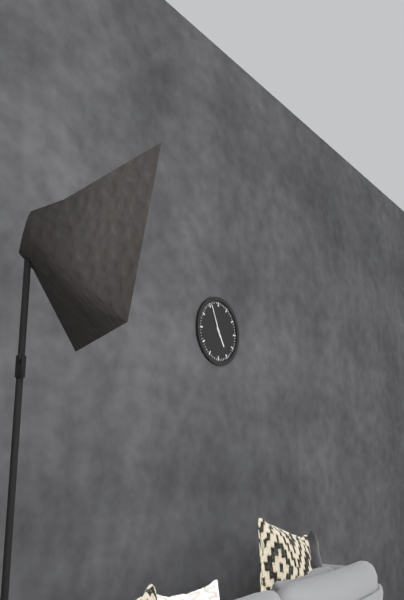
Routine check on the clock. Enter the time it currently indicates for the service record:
4:56
